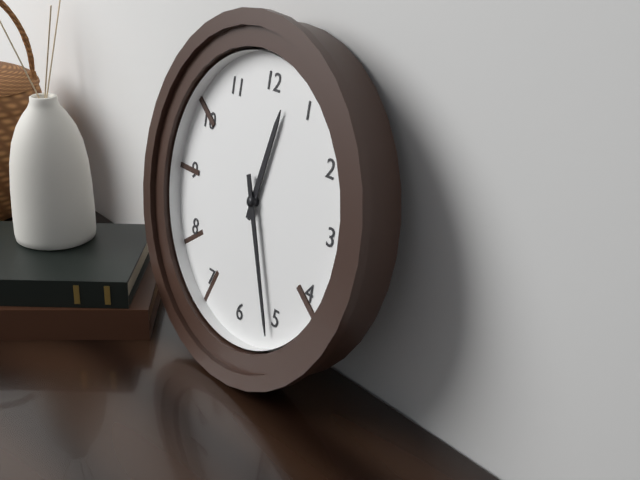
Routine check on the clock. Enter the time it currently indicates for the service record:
12:26
